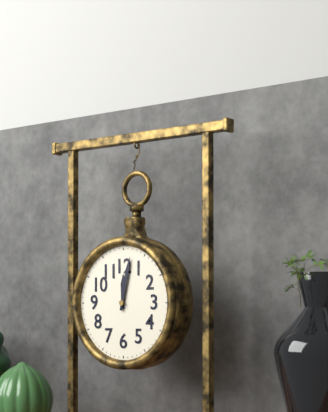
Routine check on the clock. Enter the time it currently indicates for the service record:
12:02
